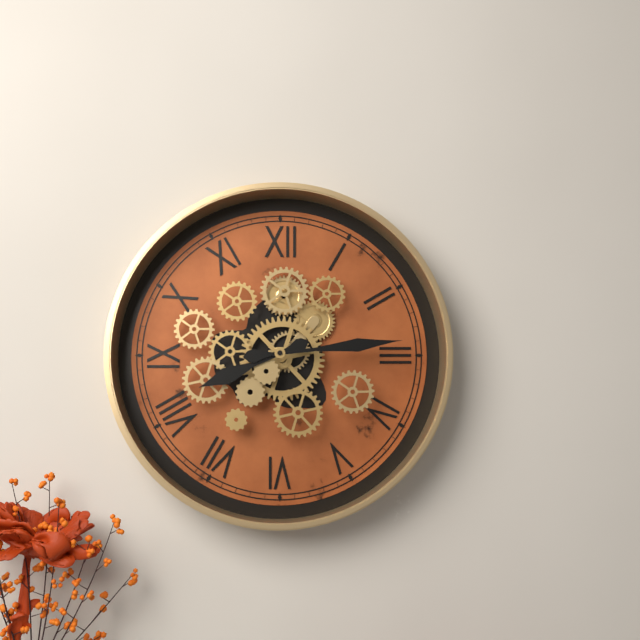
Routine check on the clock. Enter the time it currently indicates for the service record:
8:14
